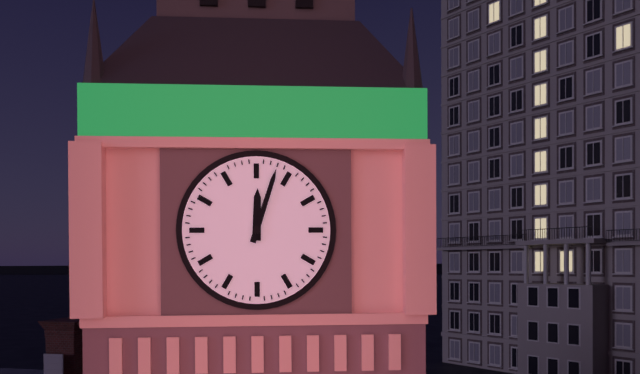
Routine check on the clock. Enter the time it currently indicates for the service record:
12:03
